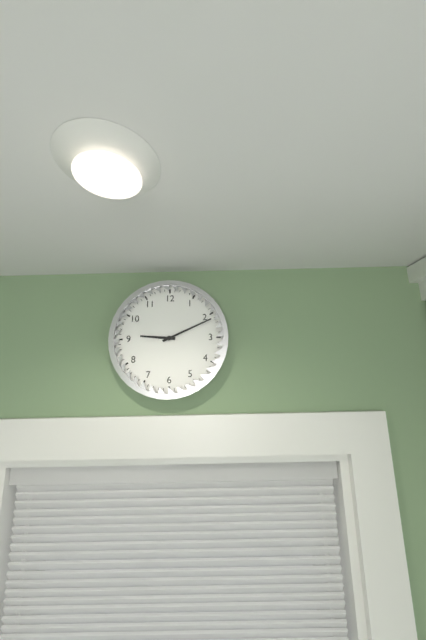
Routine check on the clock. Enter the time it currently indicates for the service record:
9:11
